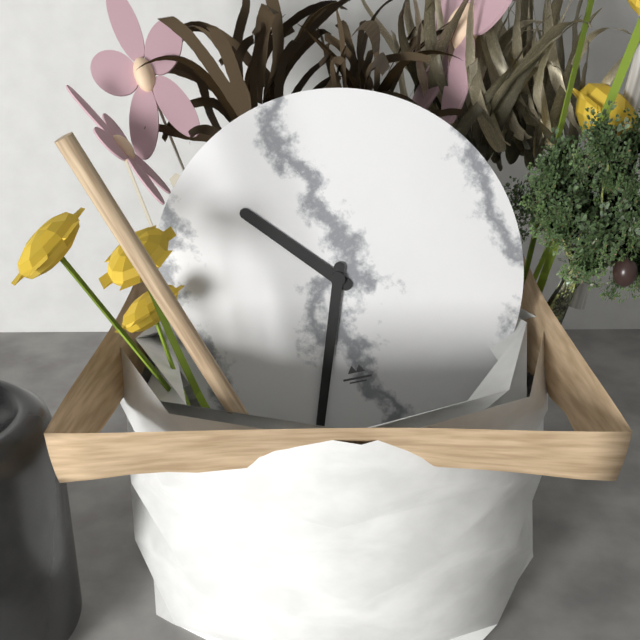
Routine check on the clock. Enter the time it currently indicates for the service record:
10:33
